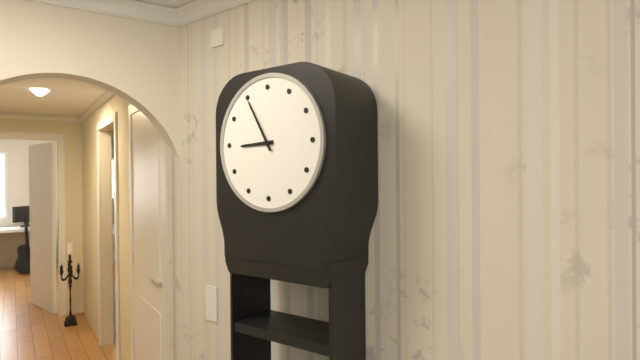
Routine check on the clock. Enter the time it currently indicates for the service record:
8:55
